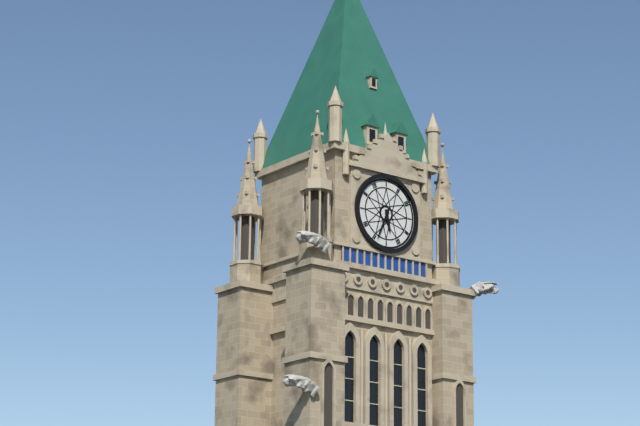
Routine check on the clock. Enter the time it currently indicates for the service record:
5:34
